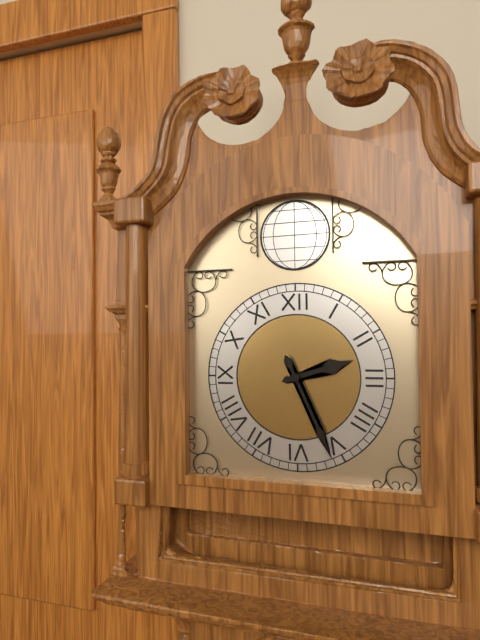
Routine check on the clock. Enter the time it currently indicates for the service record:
2:26
